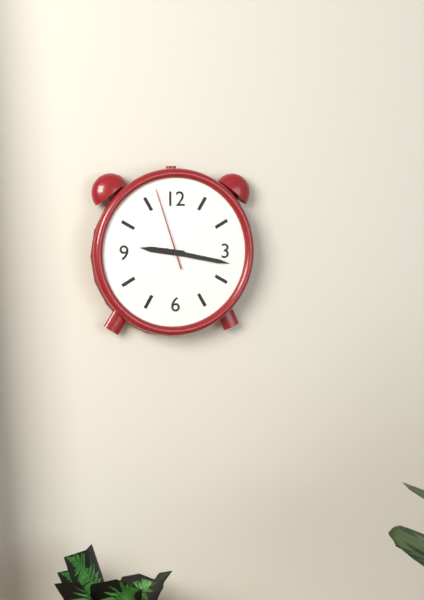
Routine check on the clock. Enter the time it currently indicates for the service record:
9:17:57
